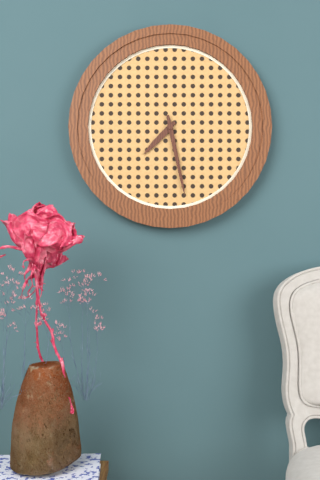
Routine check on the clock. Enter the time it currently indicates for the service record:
7:28
